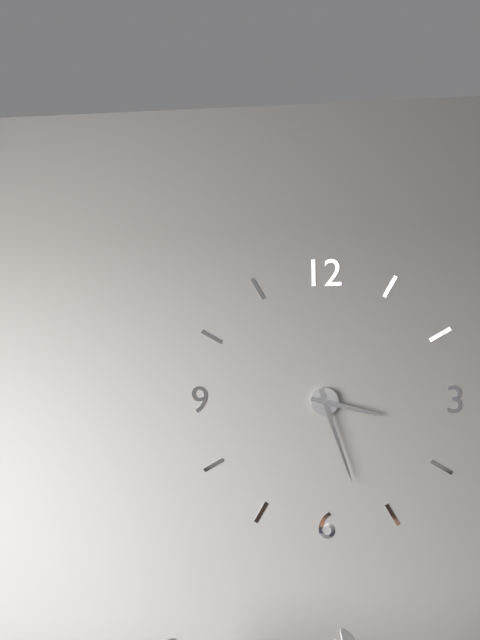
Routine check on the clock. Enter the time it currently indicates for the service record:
3:27
